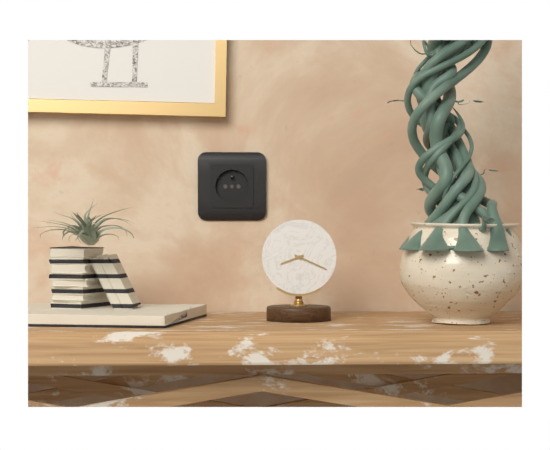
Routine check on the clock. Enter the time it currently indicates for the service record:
8:19
